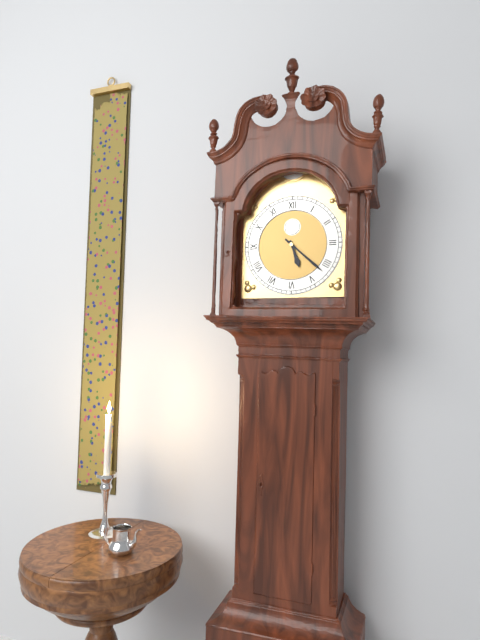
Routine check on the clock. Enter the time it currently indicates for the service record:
5:22
